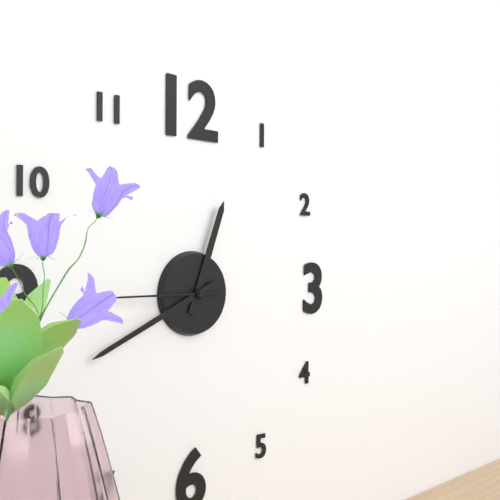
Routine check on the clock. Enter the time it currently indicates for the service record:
12:41:45
